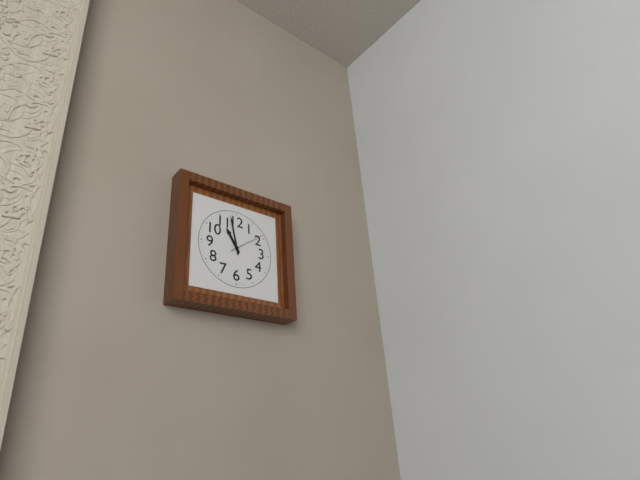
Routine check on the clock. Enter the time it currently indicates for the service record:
10:58
